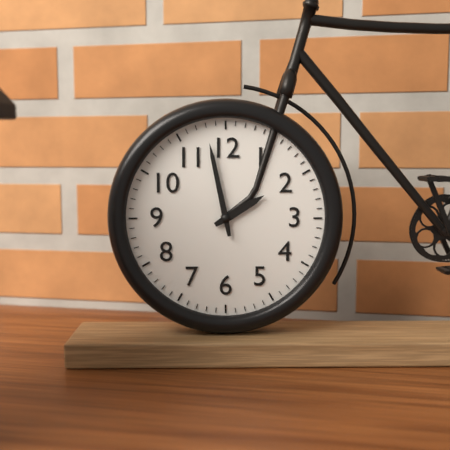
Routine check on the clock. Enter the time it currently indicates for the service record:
1:58
